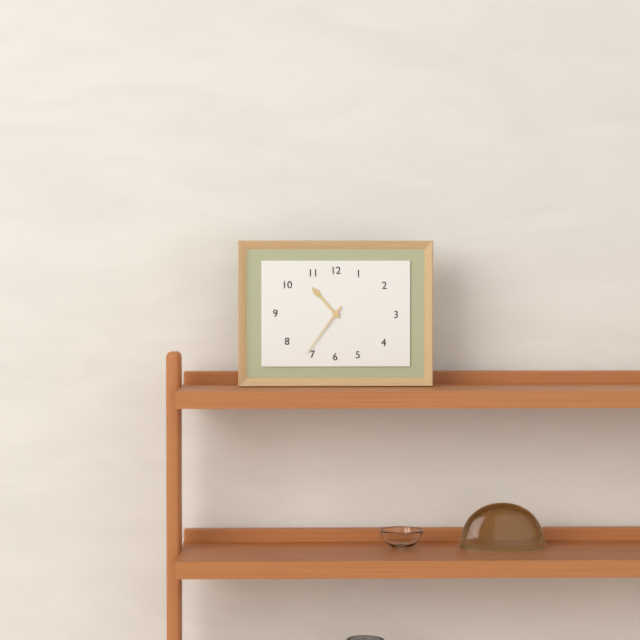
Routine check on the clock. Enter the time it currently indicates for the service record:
10:36
